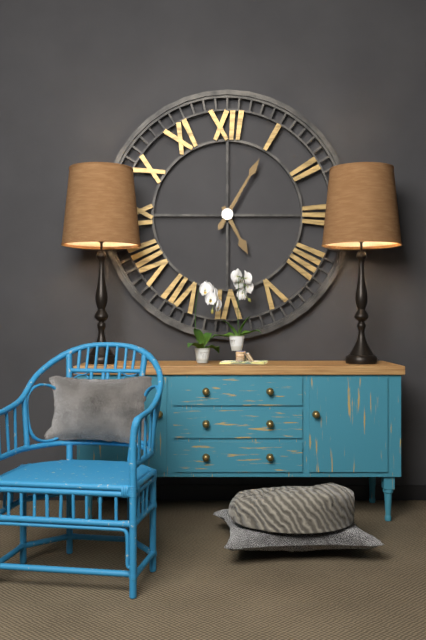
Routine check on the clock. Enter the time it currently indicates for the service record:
5:05
